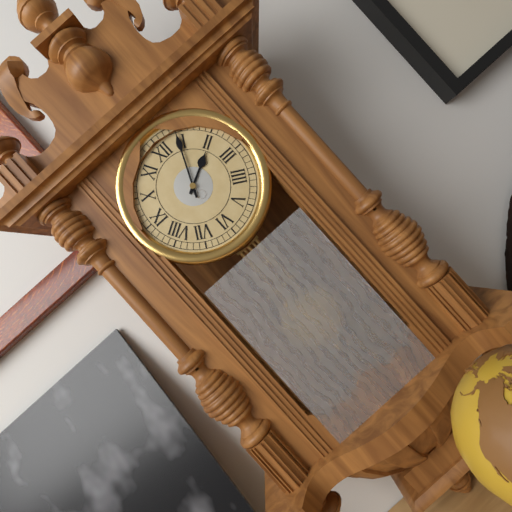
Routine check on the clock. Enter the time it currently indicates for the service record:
2:04
